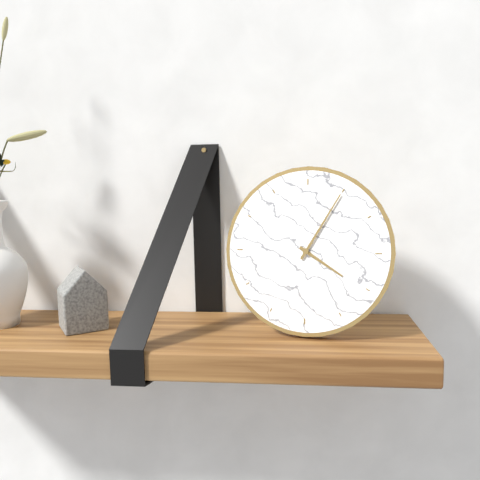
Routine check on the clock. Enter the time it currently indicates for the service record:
4:05
